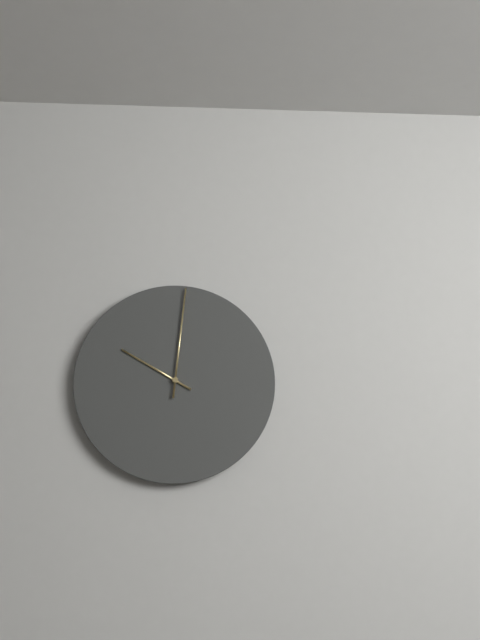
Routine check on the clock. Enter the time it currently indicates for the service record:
10:01
